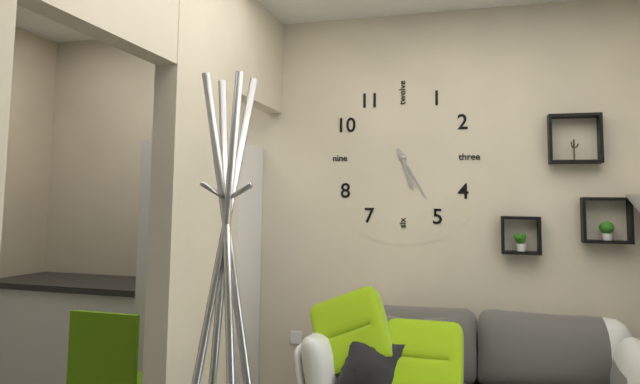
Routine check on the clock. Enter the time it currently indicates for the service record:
5:25
